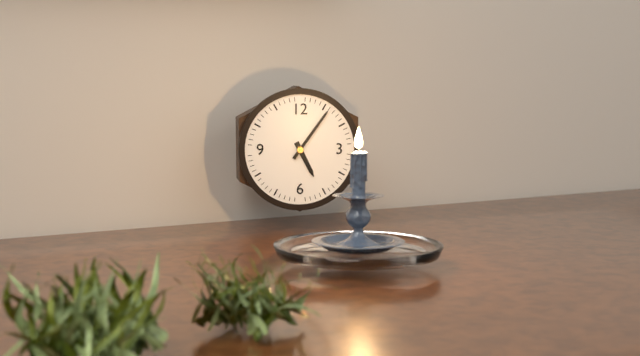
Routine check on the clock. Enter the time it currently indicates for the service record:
5:06
